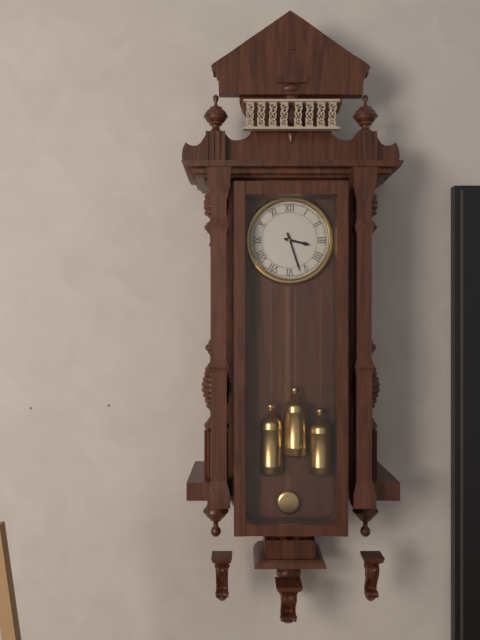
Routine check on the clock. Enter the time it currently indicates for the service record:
3:27
